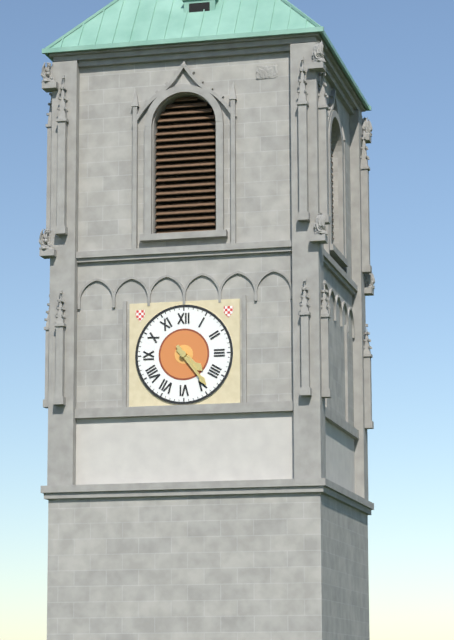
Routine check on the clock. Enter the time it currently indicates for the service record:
4:24
